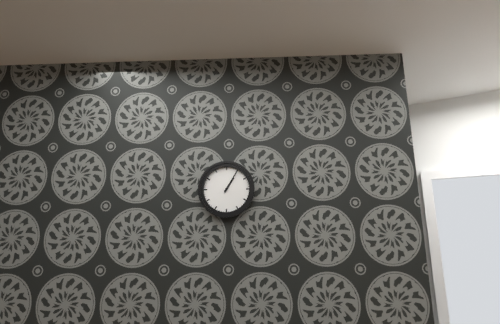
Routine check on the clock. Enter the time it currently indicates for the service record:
1:05
